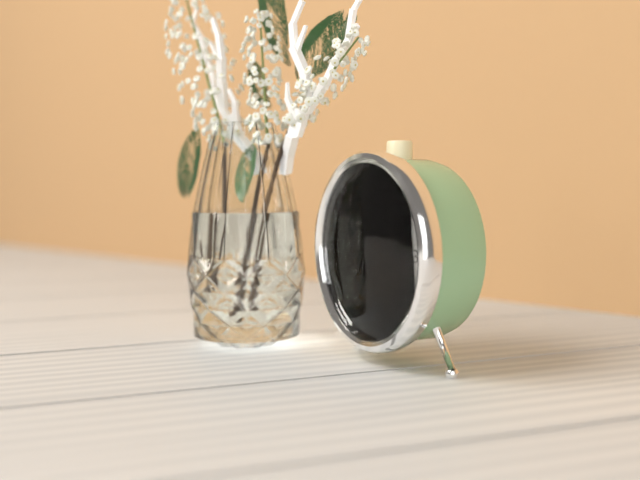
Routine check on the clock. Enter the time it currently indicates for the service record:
7:52
